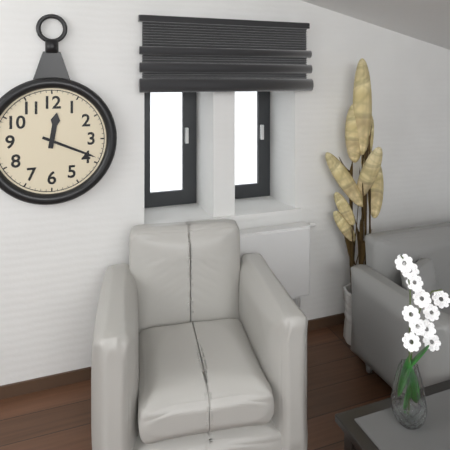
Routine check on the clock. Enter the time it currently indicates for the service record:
12:19
